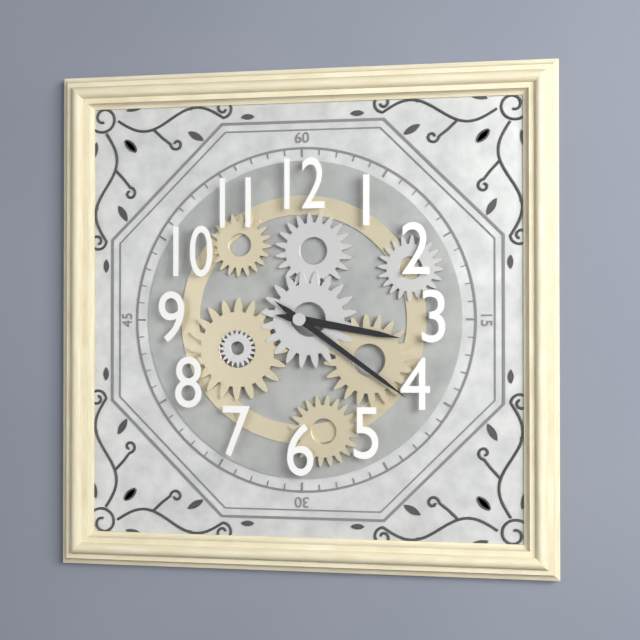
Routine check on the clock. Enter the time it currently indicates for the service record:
3:21
